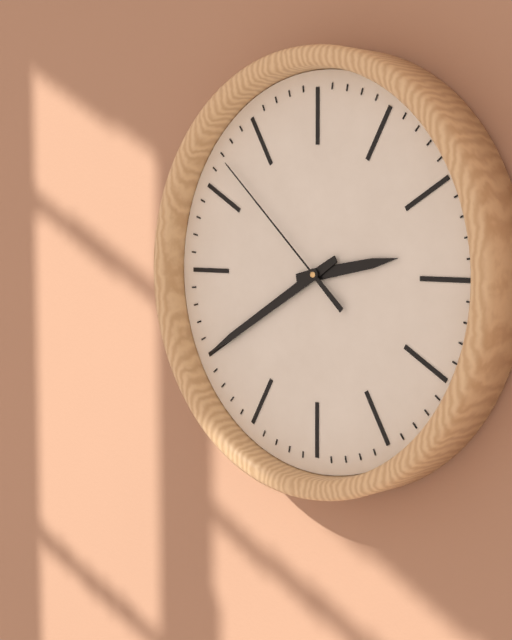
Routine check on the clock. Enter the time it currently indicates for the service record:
2:40:52
